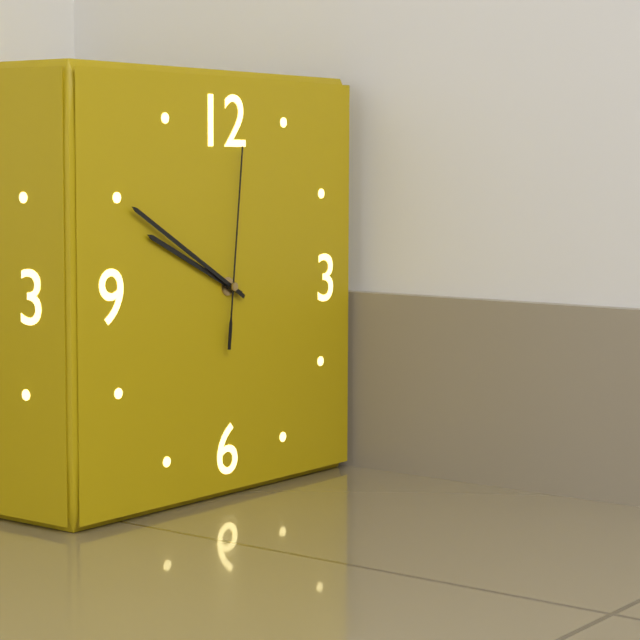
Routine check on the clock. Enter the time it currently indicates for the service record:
9:50:01
